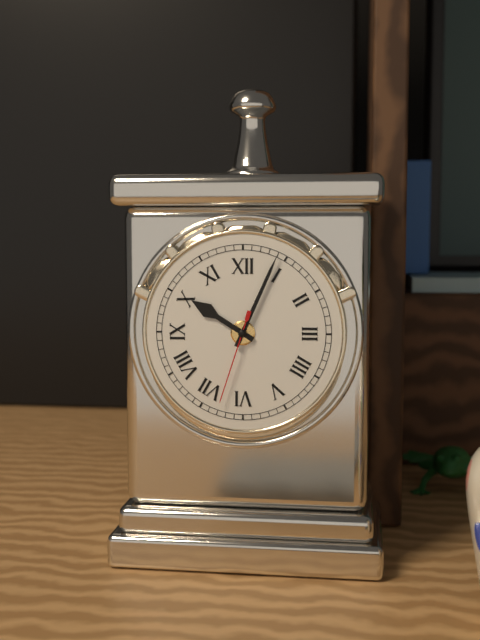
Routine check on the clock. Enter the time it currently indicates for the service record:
10:04:33
